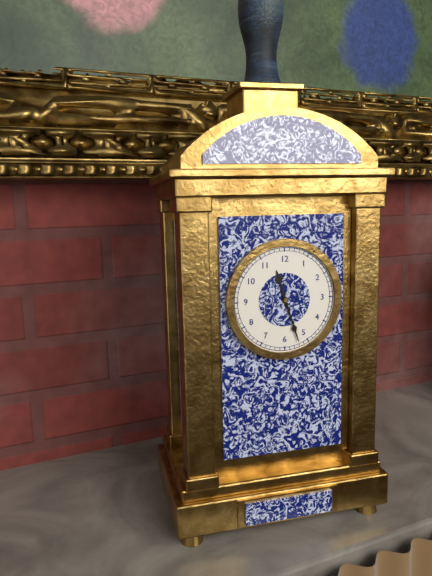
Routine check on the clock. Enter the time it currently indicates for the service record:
11:27
